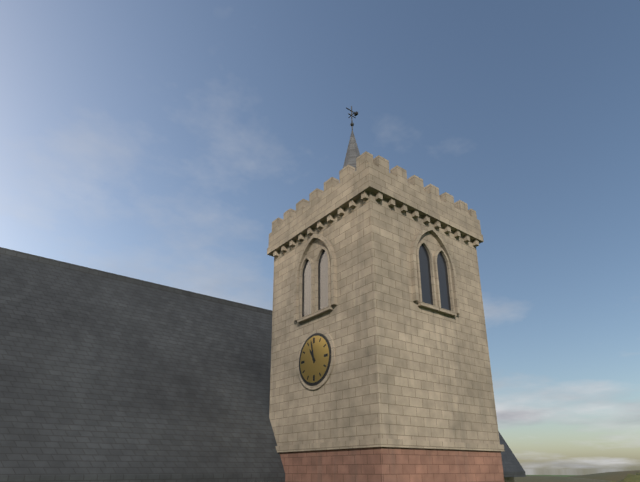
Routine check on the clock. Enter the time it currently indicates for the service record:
10:58
